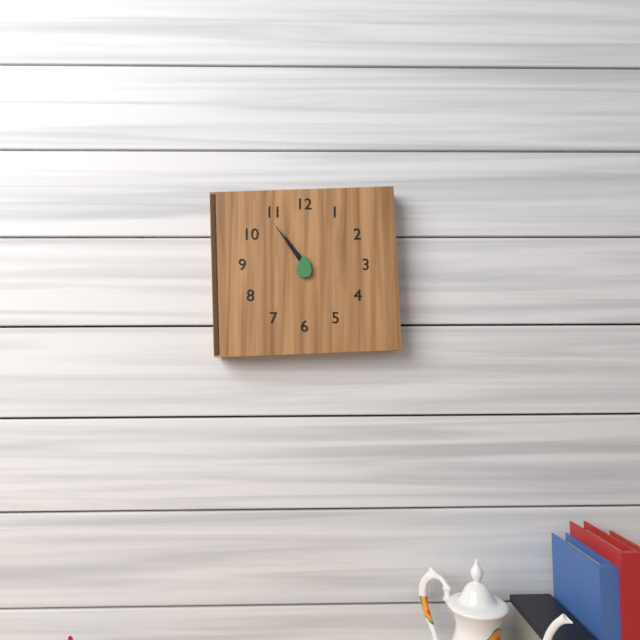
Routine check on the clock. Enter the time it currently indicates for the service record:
10:54
